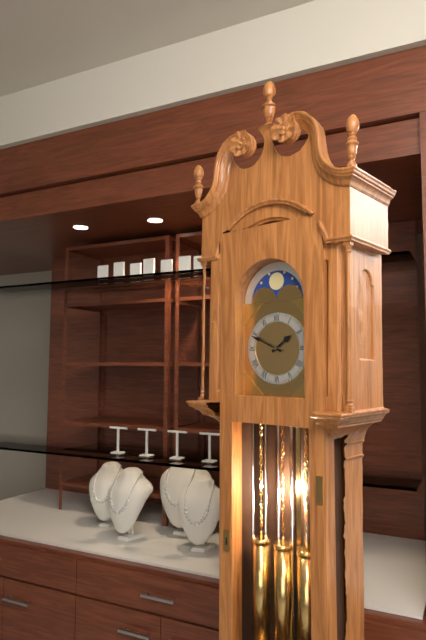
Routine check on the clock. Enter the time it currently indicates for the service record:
1:49
